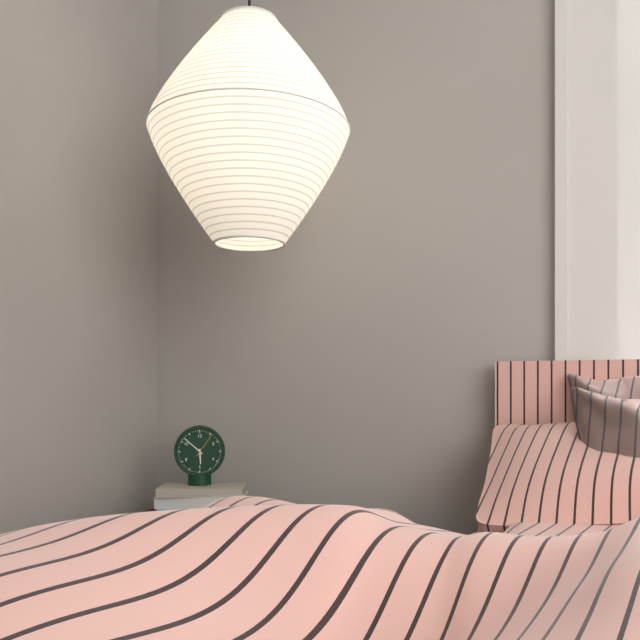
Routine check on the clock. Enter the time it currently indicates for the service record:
5:52
